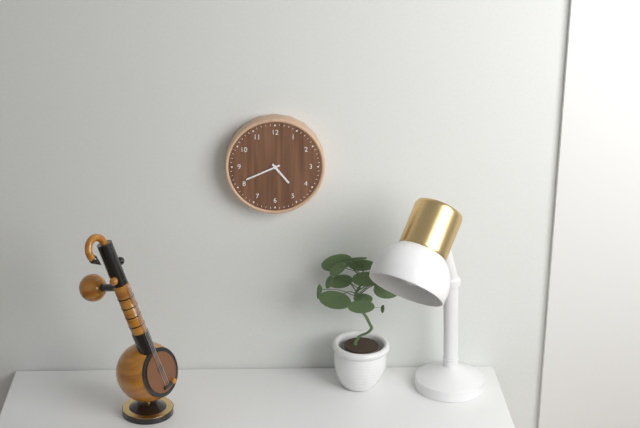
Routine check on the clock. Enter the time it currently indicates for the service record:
4:41
